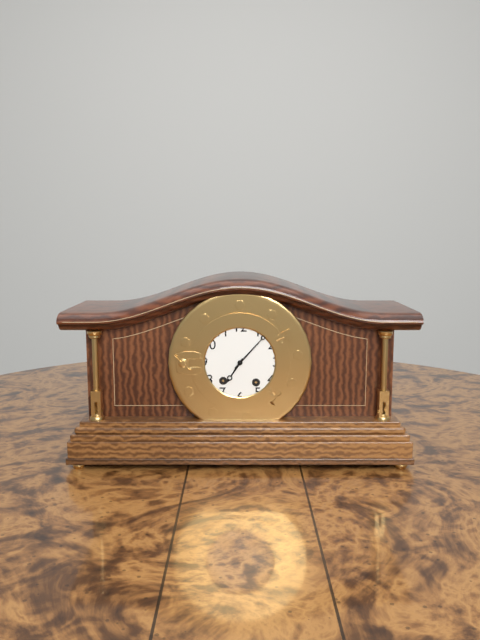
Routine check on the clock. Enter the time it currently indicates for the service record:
7:07
